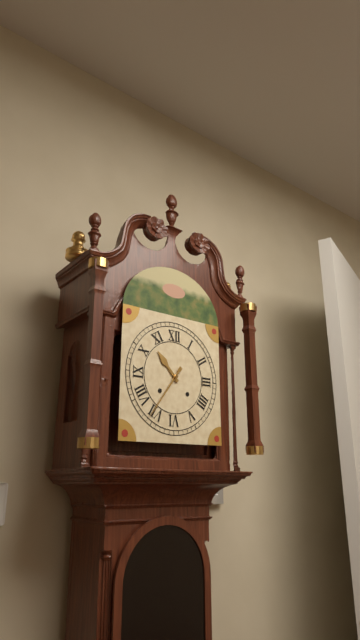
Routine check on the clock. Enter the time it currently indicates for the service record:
10:36
